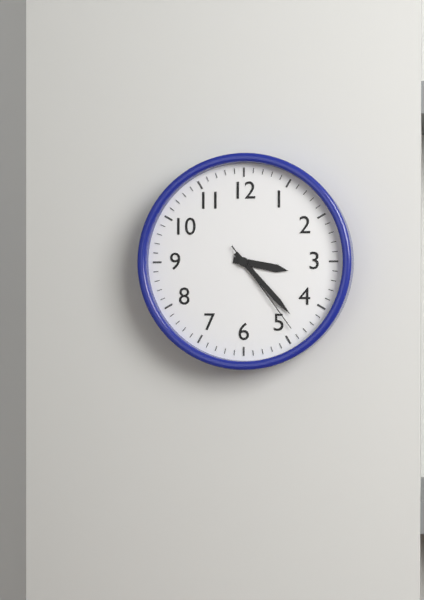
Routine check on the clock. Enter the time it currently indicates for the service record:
3:23:24
